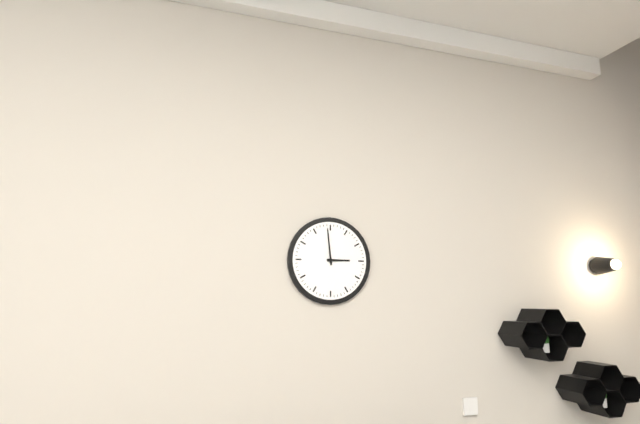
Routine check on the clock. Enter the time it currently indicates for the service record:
2:59
